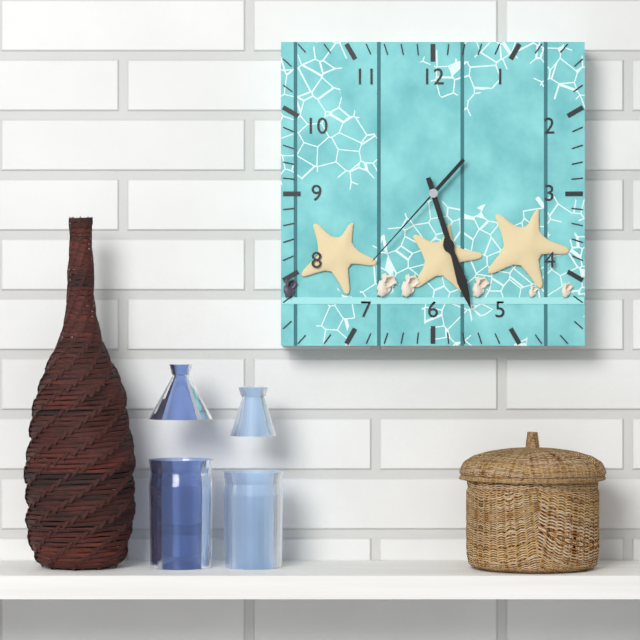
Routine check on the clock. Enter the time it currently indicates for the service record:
5:27:37
